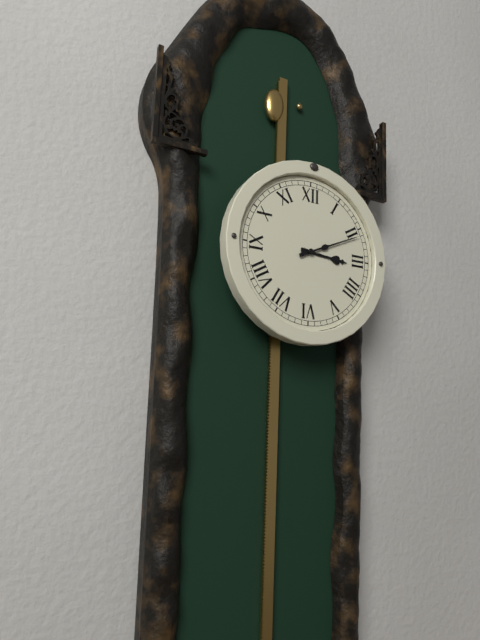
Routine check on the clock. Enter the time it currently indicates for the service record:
3:11
